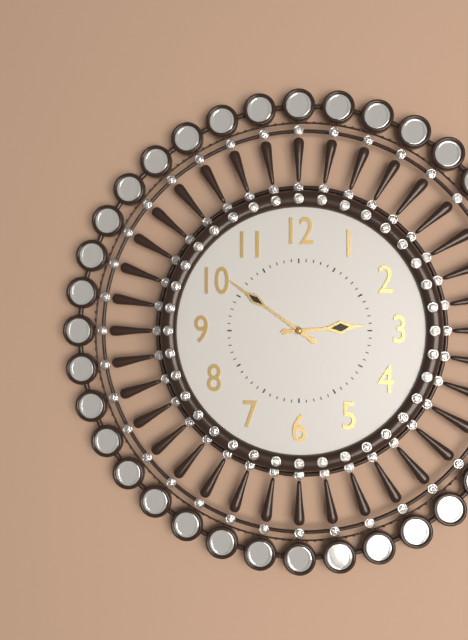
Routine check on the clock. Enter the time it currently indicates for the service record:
2:51
